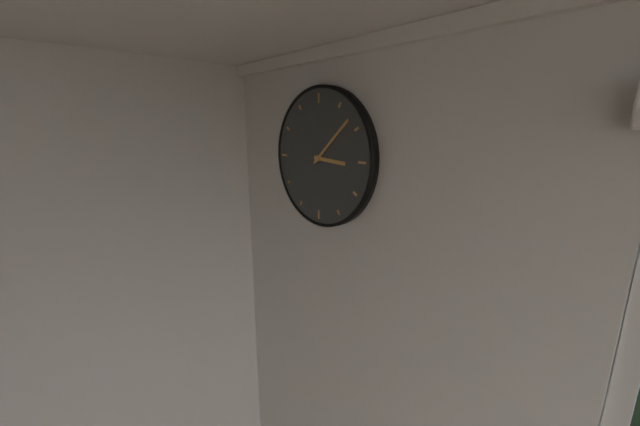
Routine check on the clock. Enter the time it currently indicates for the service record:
3:08
